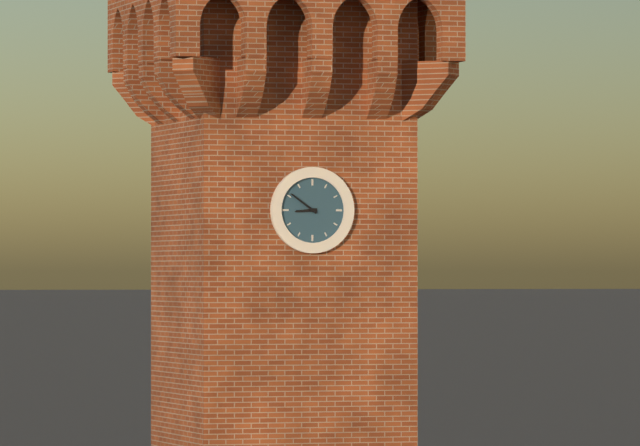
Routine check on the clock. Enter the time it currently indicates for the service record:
8:51
